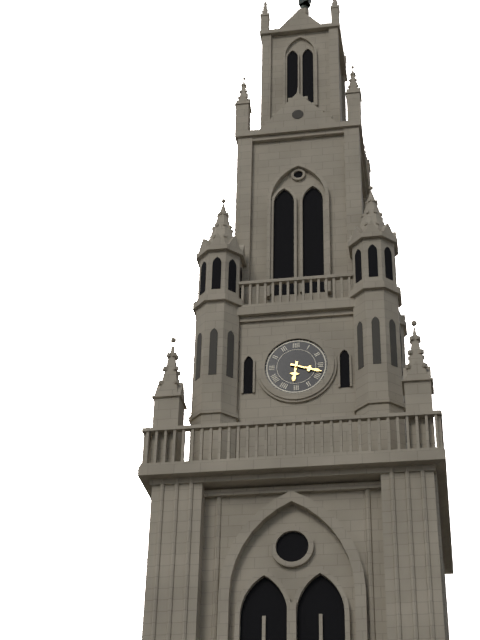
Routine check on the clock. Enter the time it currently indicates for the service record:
6:18
